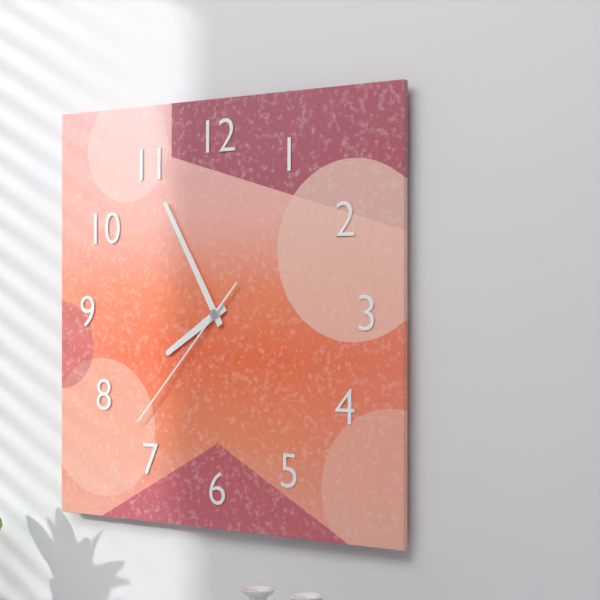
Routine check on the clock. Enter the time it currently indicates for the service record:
7:55:37
